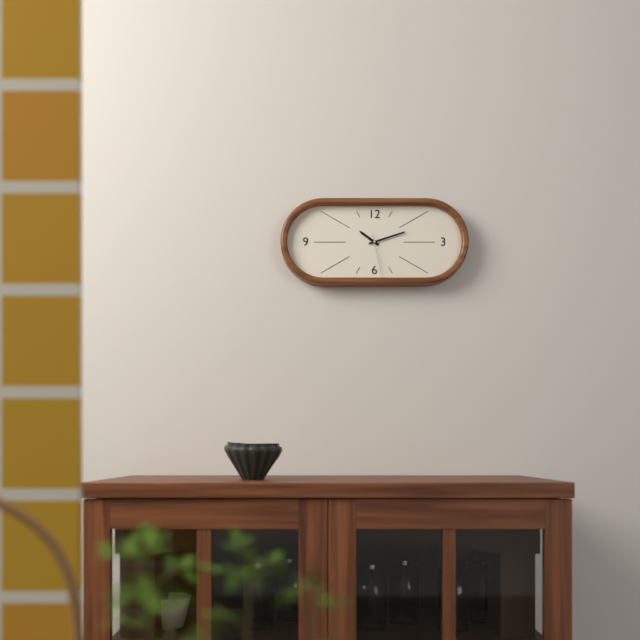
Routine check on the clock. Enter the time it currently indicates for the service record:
10:12
